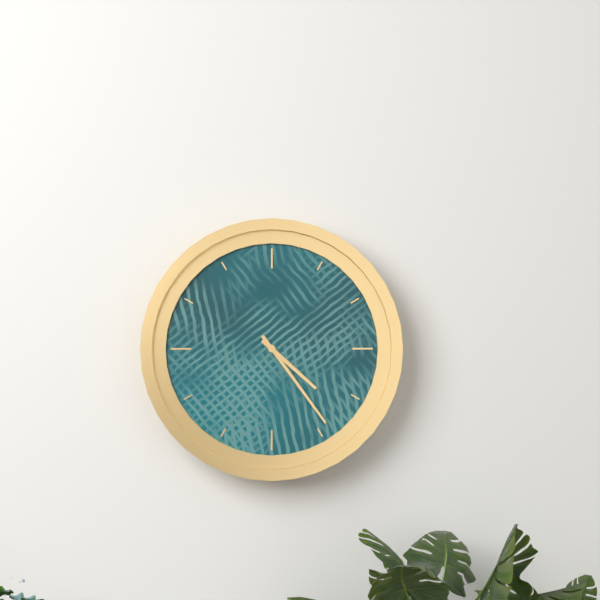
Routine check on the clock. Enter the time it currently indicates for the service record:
4:24
